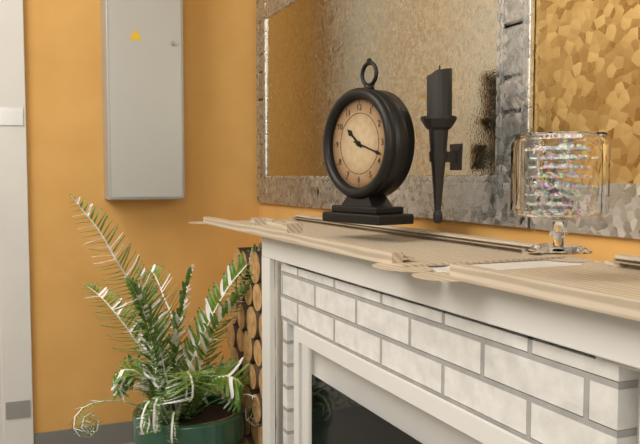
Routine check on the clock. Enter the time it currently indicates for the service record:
10:18
